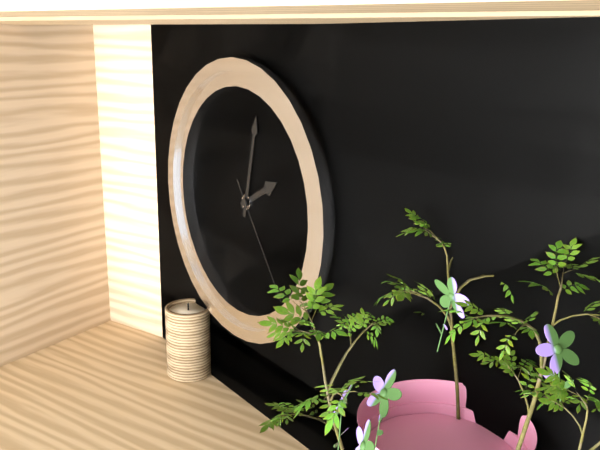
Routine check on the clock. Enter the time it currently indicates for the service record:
2:02:24
